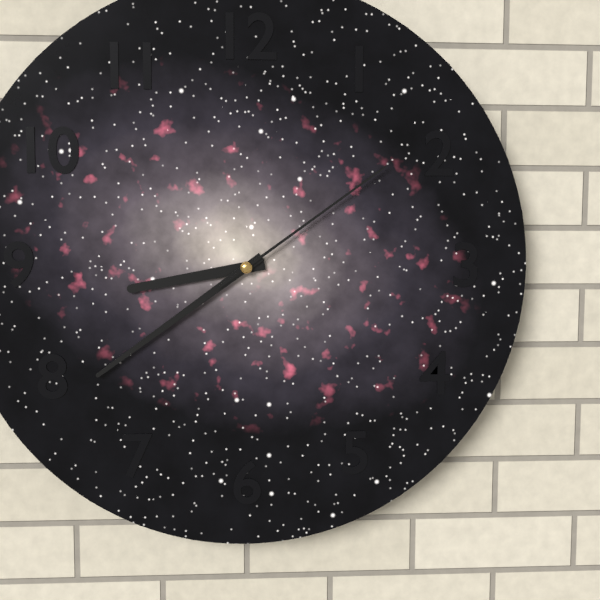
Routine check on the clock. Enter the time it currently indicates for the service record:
8:39:09
